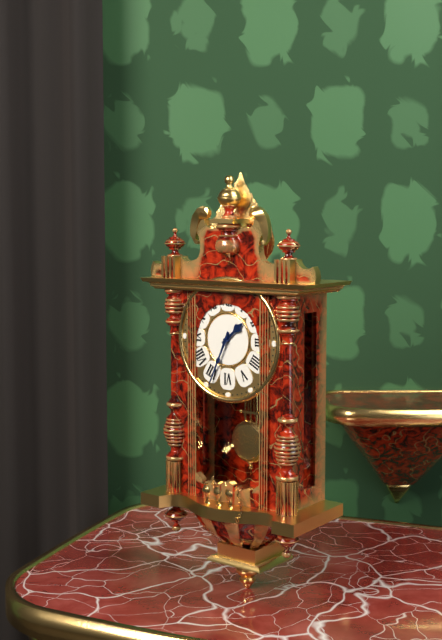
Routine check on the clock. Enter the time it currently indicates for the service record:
1:34
